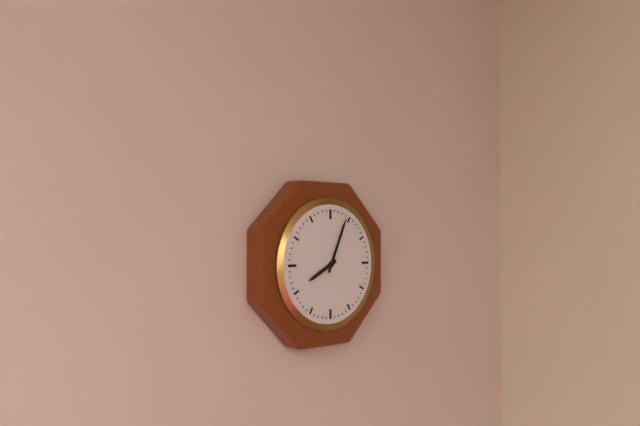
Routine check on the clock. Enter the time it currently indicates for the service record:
8:04
